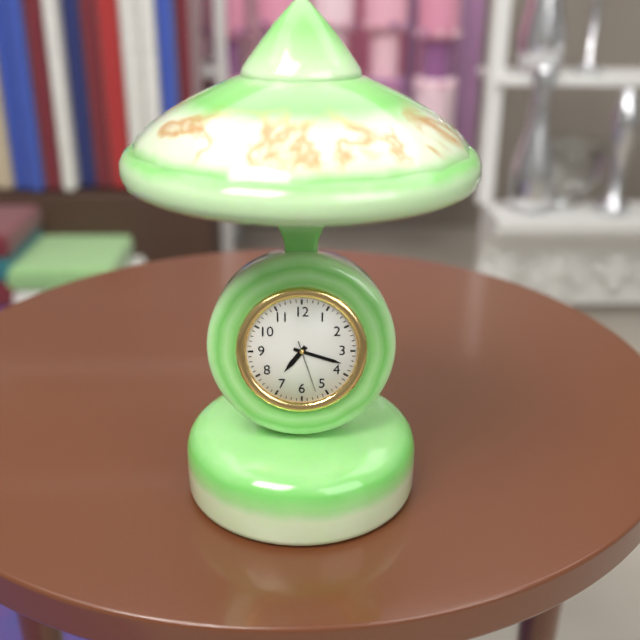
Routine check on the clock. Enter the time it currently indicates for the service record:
7:18:27
